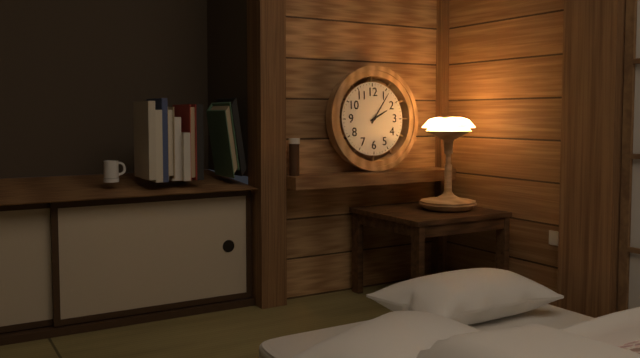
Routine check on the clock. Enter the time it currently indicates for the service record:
2:06
